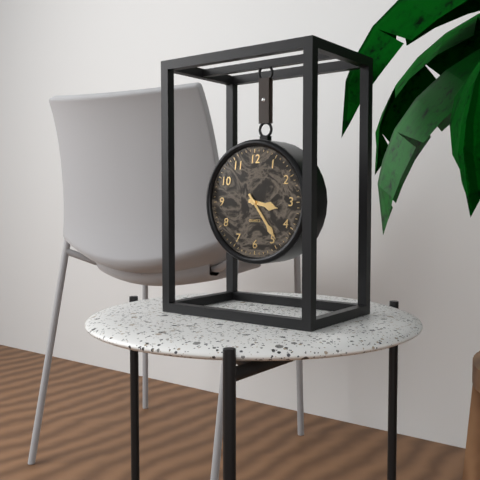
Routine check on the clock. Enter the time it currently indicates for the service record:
3:24
